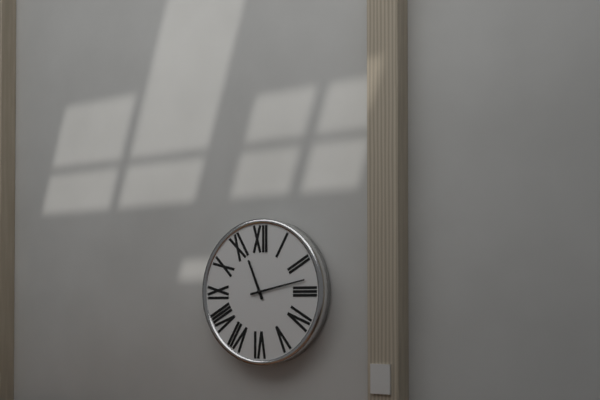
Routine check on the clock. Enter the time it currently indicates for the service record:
11:13
